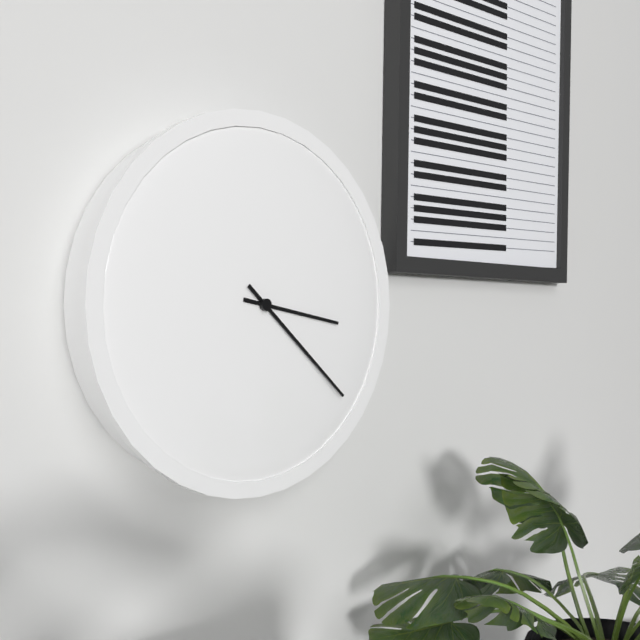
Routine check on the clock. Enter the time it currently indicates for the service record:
3:22
